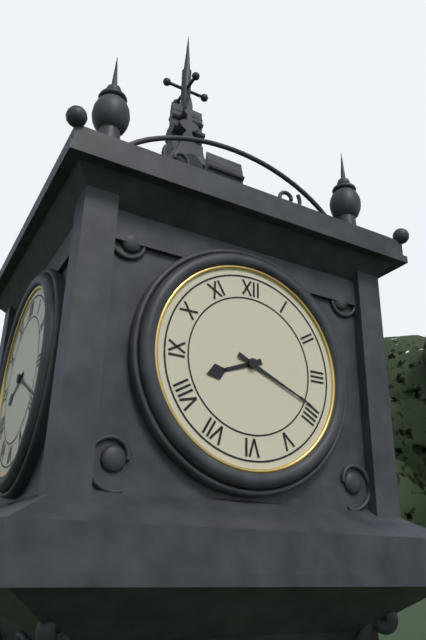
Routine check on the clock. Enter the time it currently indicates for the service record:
8:19
